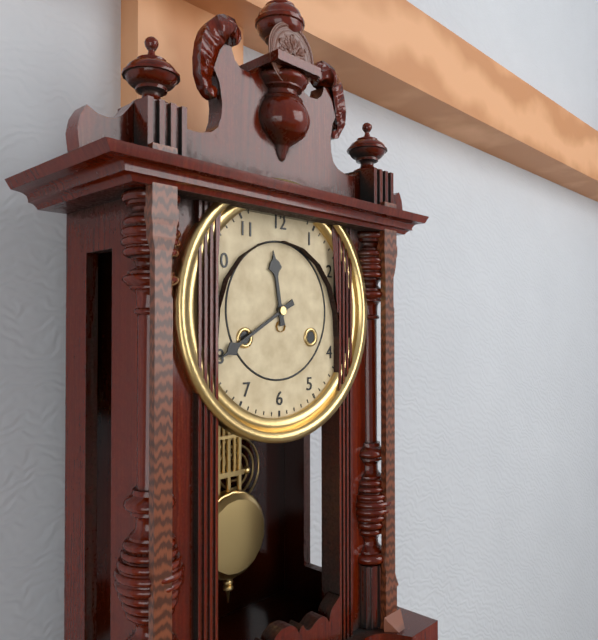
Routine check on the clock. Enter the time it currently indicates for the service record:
11:40
